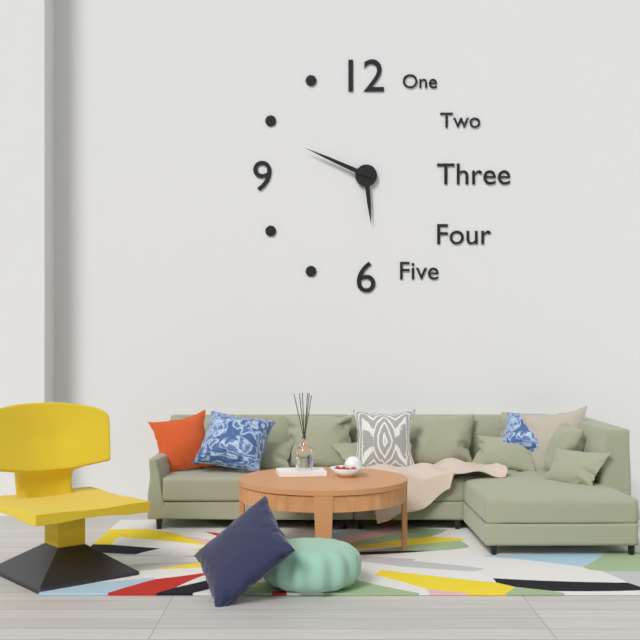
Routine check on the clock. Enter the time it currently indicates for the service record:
5:49
